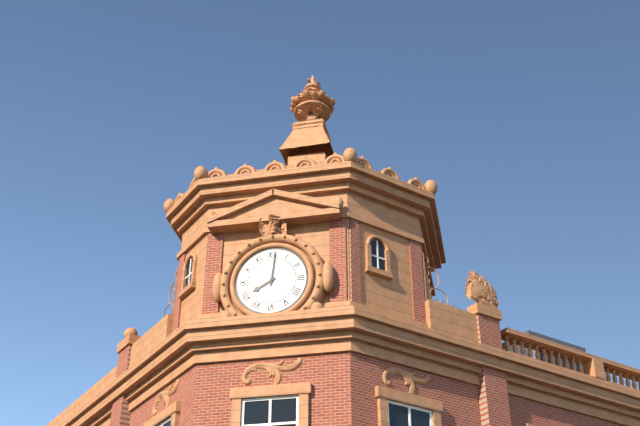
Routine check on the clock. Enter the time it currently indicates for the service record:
8:01
